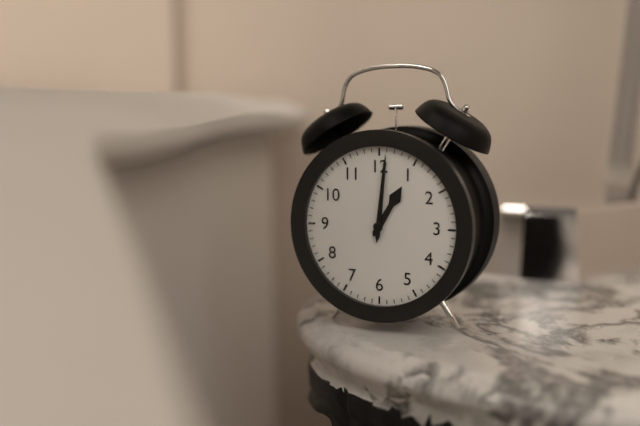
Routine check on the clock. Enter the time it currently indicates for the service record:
1:01
